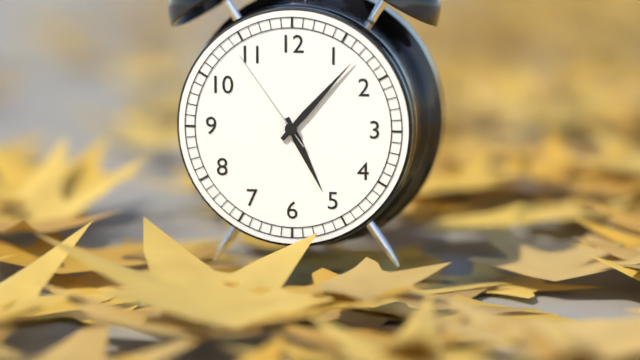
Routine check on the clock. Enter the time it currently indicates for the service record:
5:07:54
